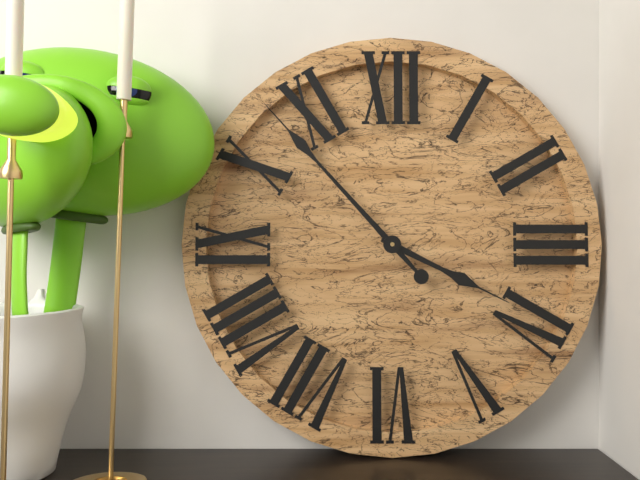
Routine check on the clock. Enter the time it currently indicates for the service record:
3:53
